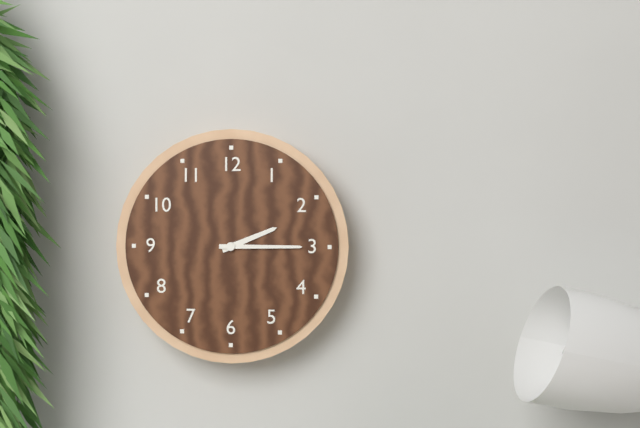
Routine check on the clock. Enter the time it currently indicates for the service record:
2:15
